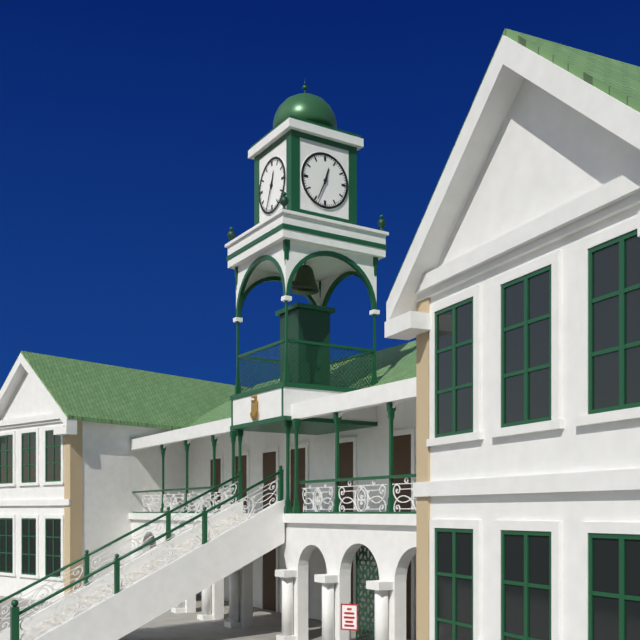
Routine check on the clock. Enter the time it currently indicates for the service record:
12:34
